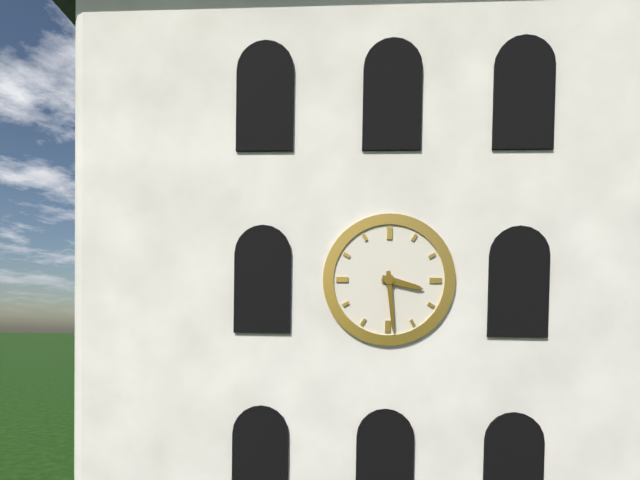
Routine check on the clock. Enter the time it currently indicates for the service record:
3:29
